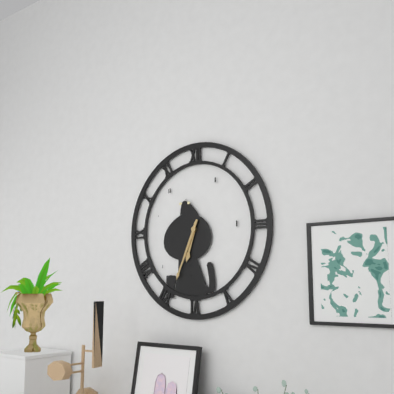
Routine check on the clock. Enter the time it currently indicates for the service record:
6:34
